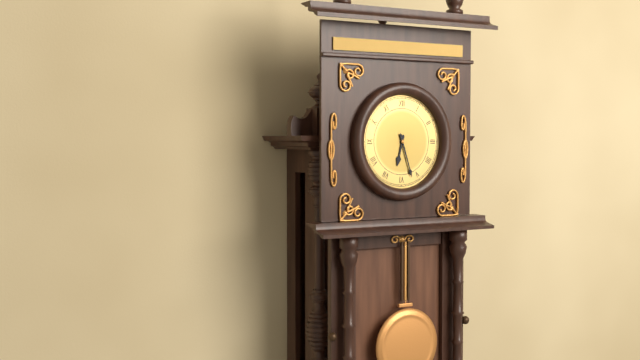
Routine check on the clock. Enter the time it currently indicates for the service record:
6:27
